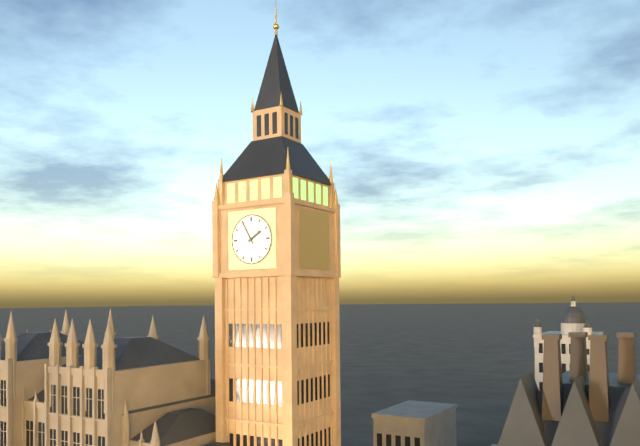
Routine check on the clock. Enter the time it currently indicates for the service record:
1:55
